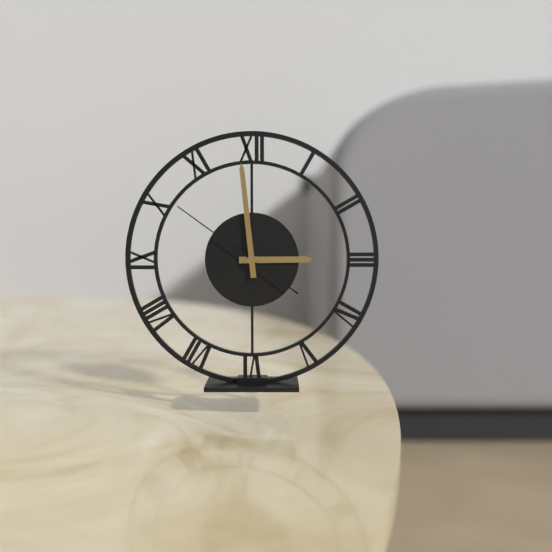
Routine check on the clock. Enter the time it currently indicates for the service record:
2:59:51
